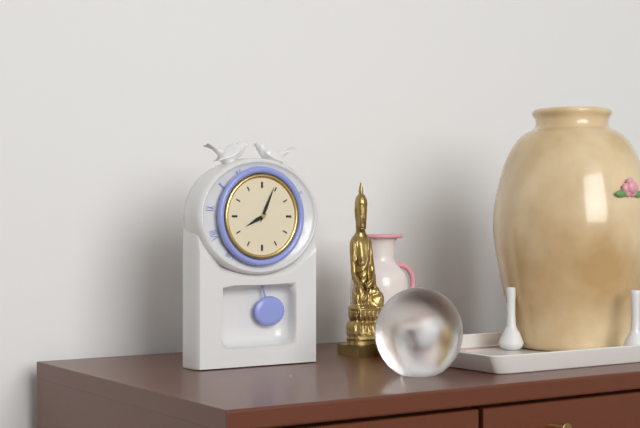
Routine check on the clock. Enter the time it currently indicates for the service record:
8:04
